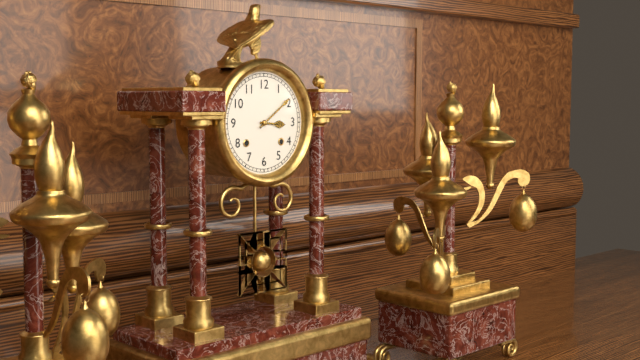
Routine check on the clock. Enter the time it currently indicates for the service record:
3:09
